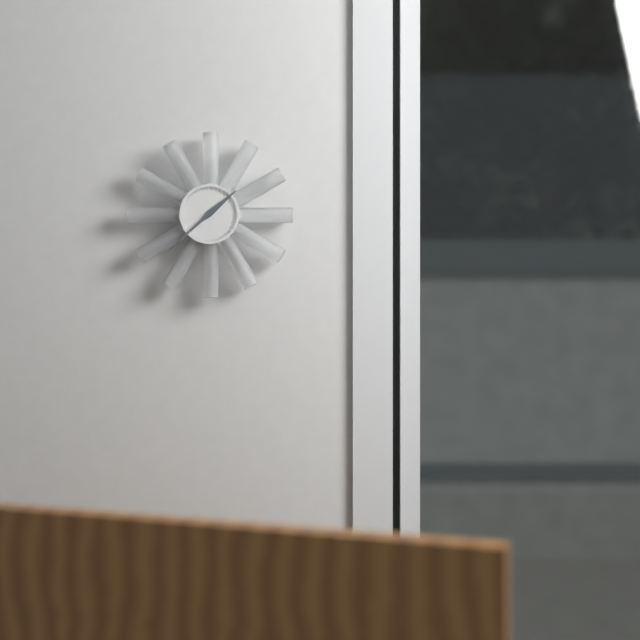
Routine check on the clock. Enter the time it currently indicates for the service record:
1:38
